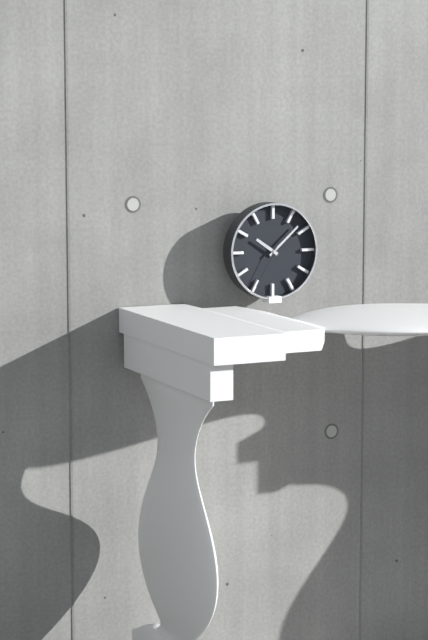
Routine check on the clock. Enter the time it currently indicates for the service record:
10:08
